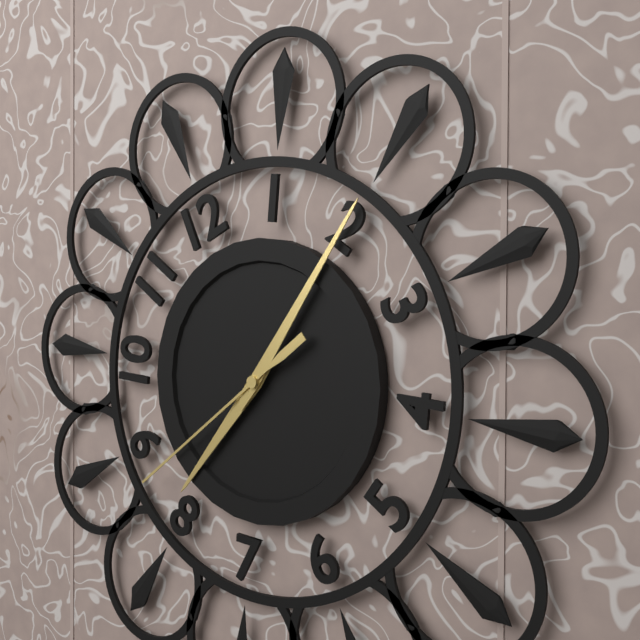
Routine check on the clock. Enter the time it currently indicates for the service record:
8:10:43
